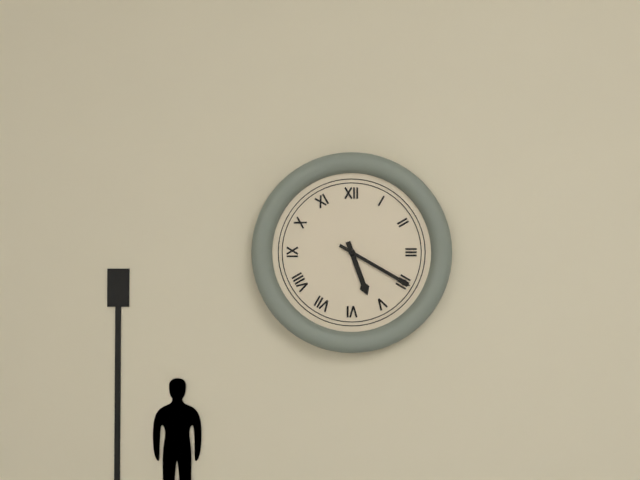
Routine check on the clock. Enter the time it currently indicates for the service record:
5:20
